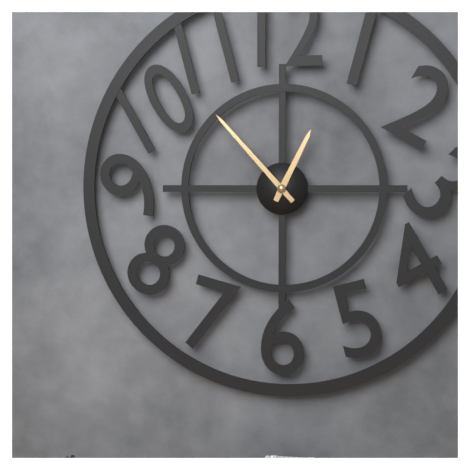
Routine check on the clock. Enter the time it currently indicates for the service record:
12:53
